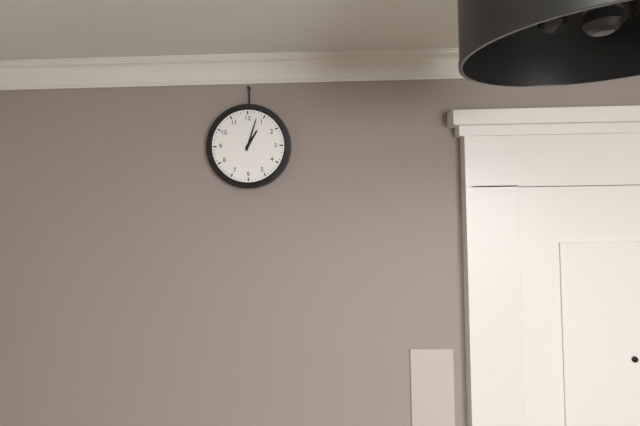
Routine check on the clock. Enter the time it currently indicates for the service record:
1:03
